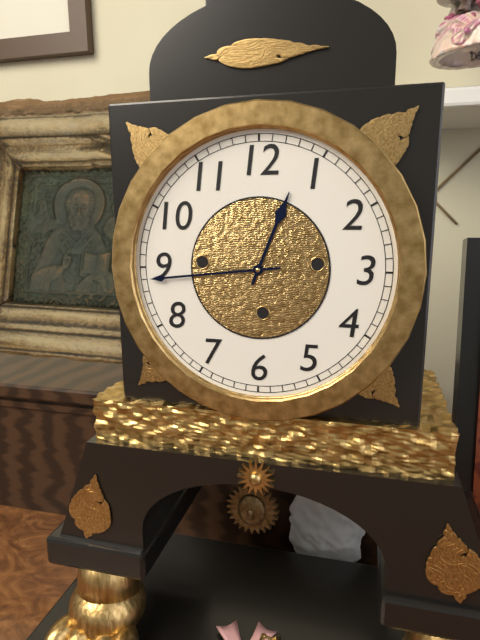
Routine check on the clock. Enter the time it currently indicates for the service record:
12:44
